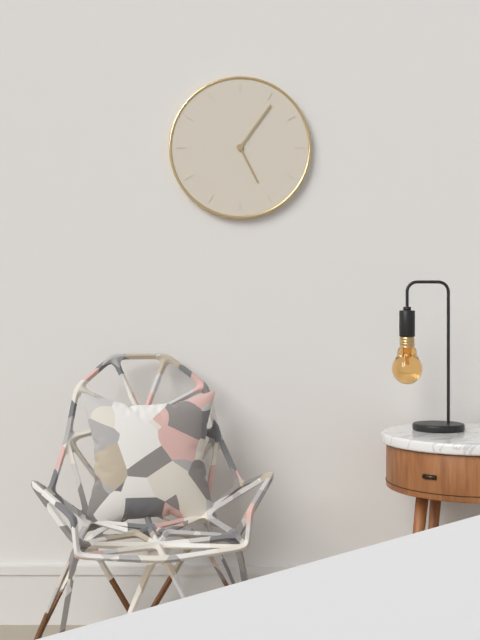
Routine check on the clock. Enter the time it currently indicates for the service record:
5:06
